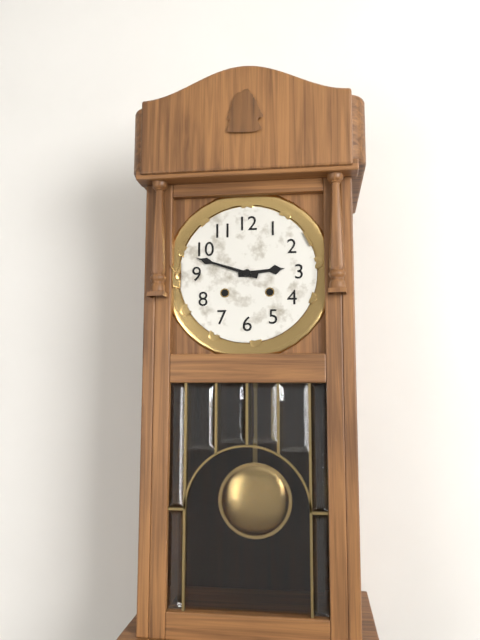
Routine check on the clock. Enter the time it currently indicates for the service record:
2:48
